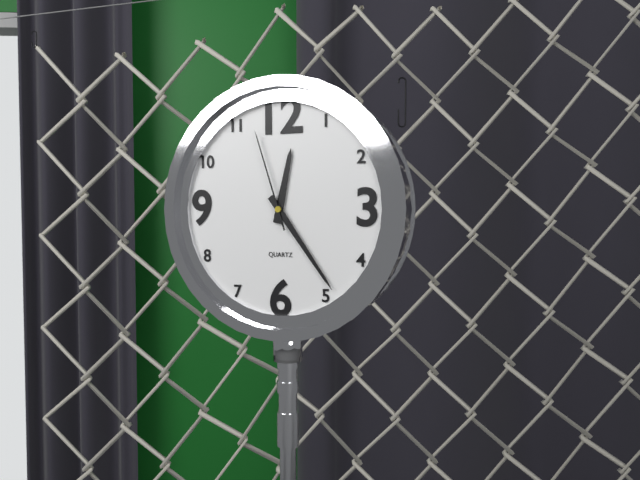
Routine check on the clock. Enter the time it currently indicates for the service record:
12:24:57
